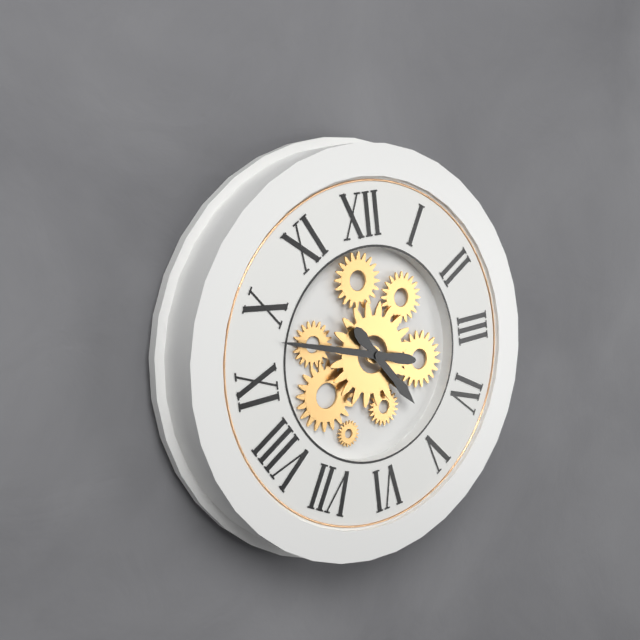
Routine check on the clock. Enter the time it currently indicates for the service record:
4:48
